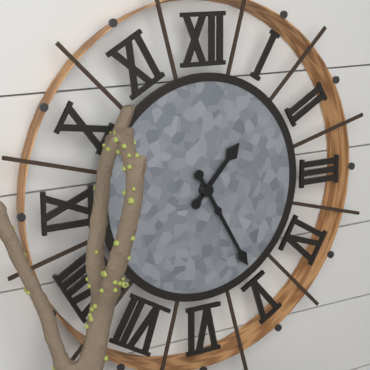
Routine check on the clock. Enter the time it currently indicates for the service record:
1:25
